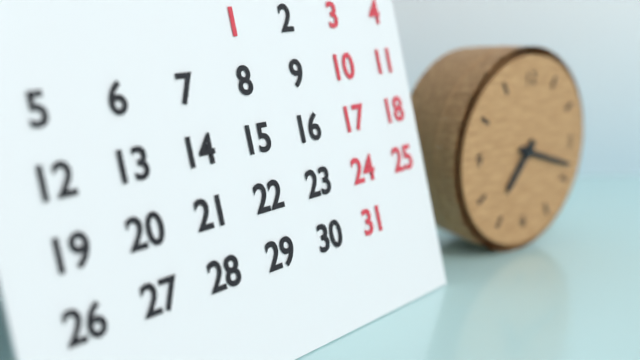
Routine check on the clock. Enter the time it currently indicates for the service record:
7:18
